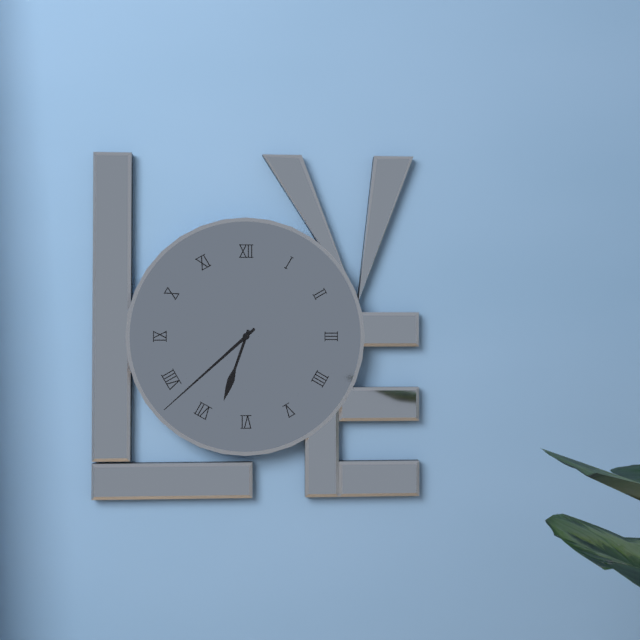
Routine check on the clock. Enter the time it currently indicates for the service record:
6:38
